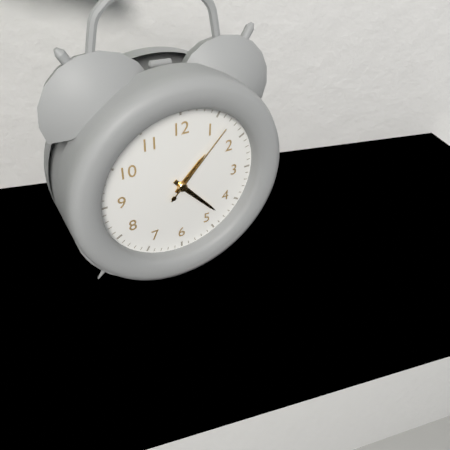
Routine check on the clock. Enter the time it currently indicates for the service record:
1:23:07
